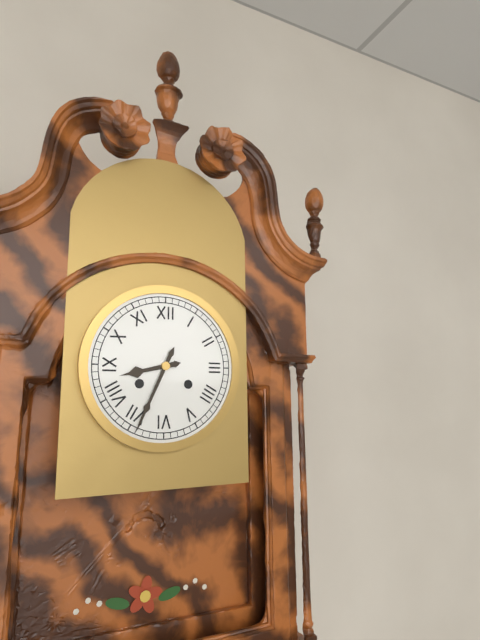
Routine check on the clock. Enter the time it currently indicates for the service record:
8:34
